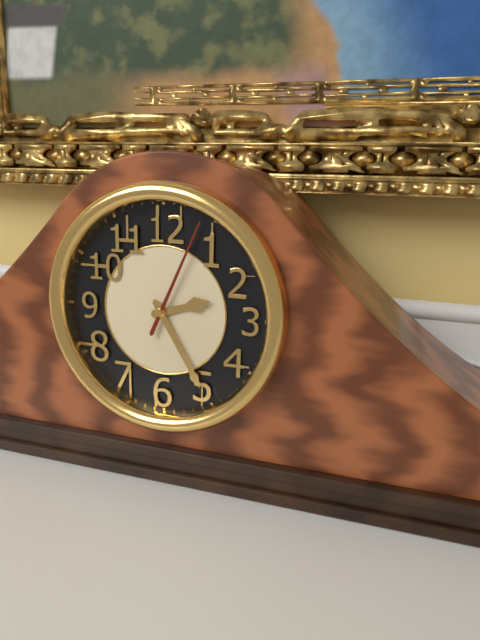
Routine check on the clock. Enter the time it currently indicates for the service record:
2:25:04
